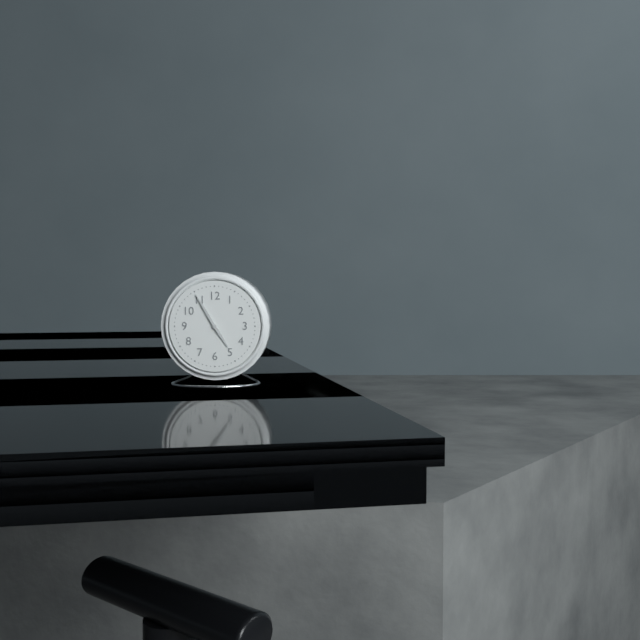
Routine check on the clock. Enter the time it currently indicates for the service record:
4:55
